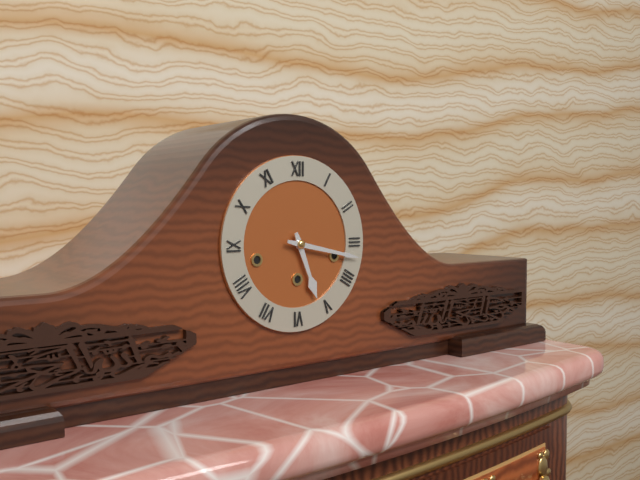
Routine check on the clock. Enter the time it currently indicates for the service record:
5:17
